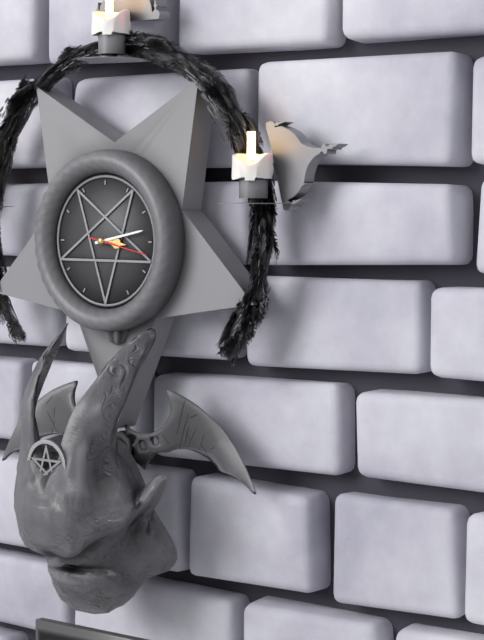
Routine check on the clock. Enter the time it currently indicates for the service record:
3:13
